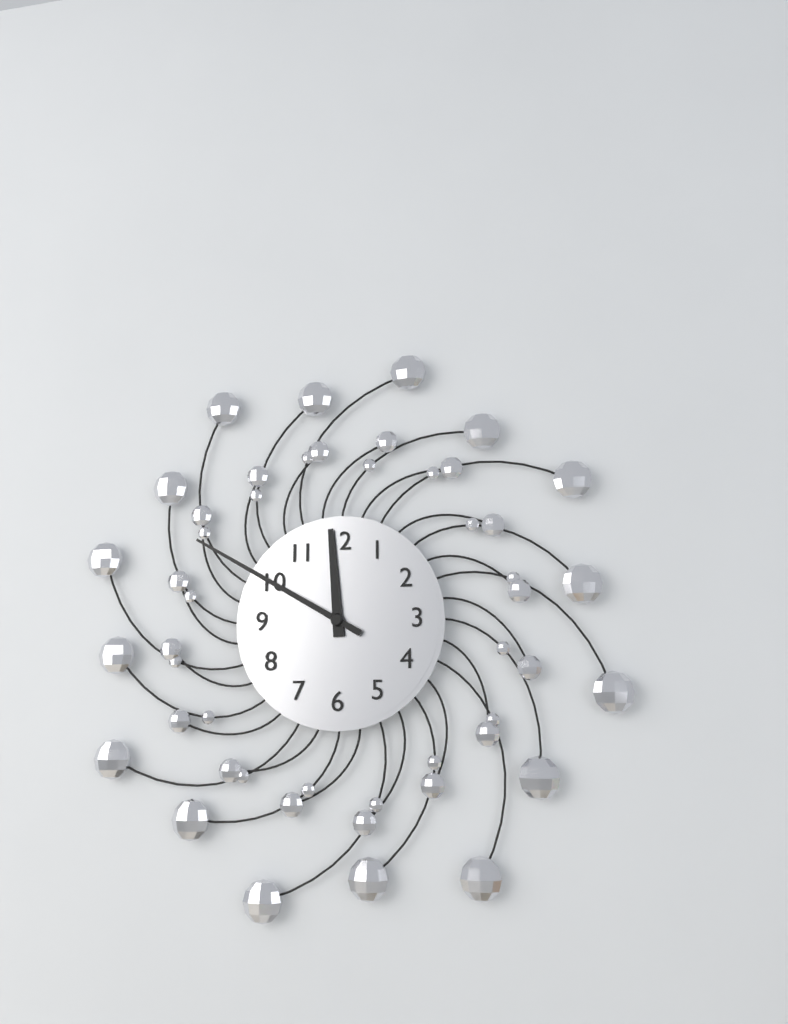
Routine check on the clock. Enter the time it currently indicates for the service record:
11:50
